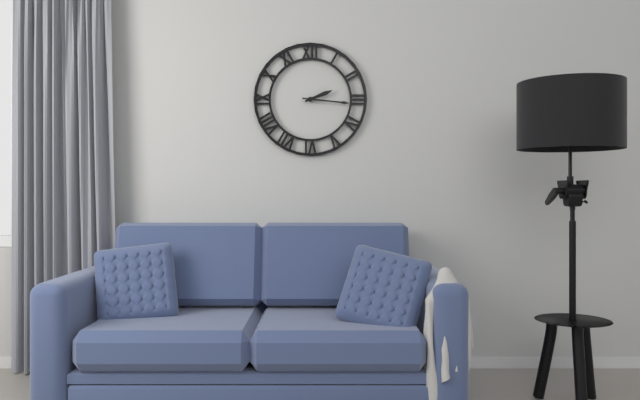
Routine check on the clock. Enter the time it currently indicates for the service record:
2:16
